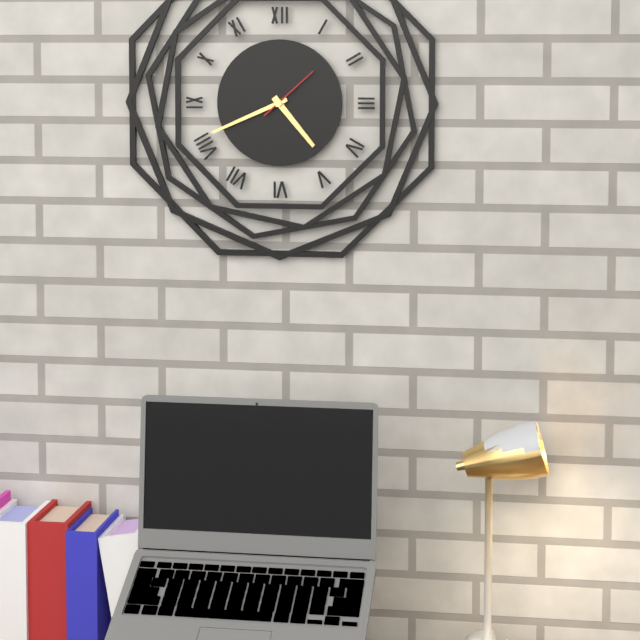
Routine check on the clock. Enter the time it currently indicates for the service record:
4:41:08
